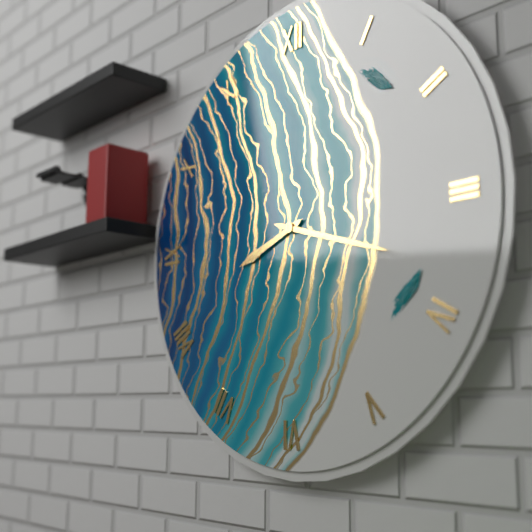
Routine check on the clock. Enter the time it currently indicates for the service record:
8:18
